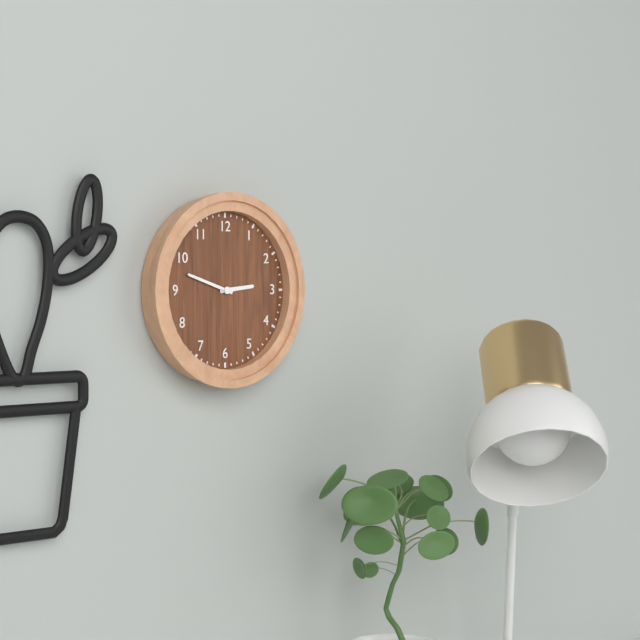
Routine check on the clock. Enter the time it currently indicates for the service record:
2:48
